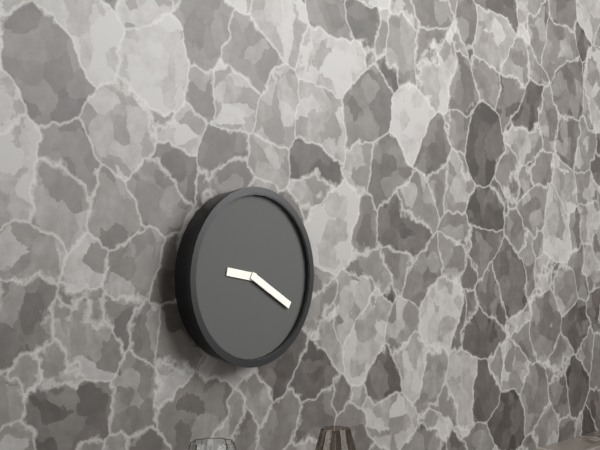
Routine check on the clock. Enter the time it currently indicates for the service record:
9:20
